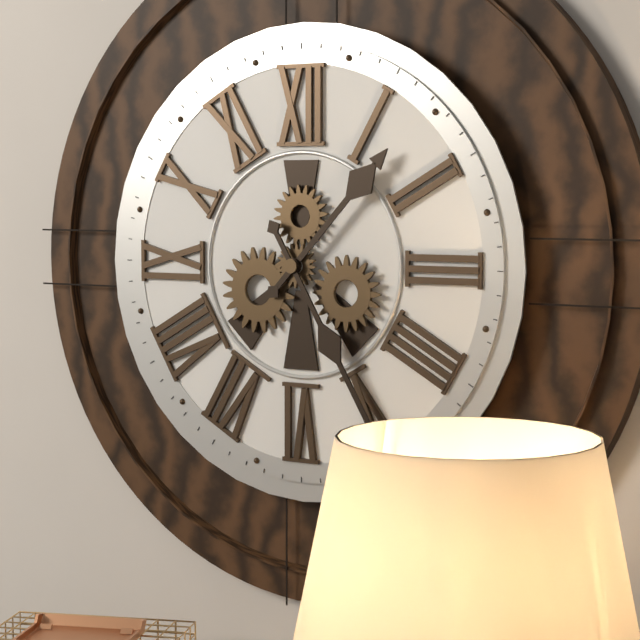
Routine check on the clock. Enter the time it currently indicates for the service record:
1:25
